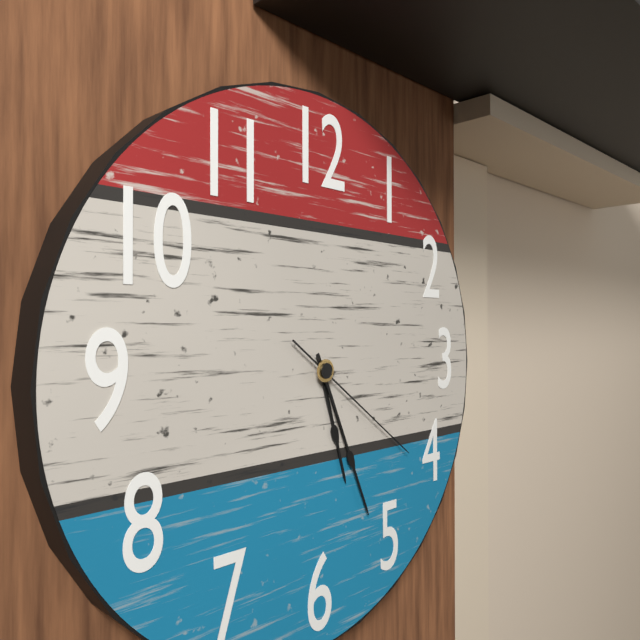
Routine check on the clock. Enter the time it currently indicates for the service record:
5:26:21
